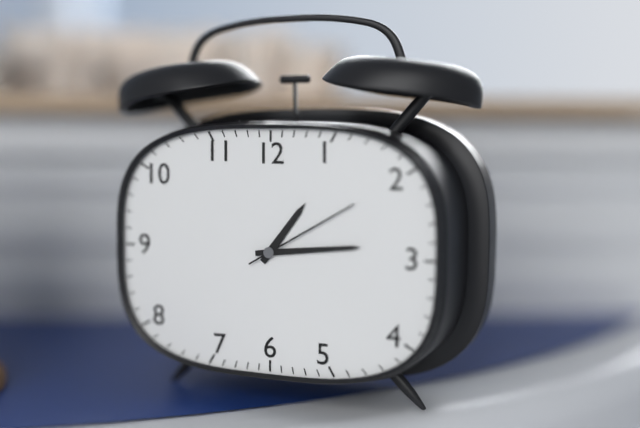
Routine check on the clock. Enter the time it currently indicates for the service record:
1:14:10
